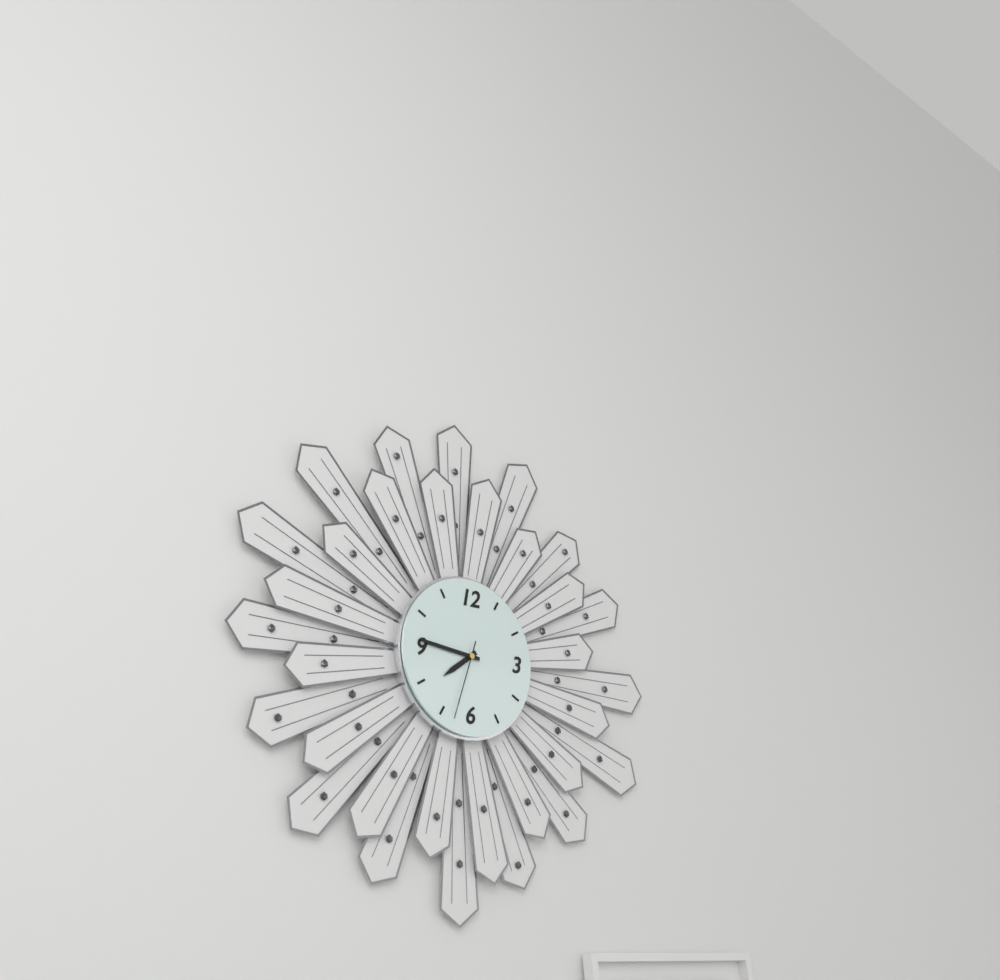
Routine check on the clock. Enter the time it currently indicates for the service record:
7:46:33
